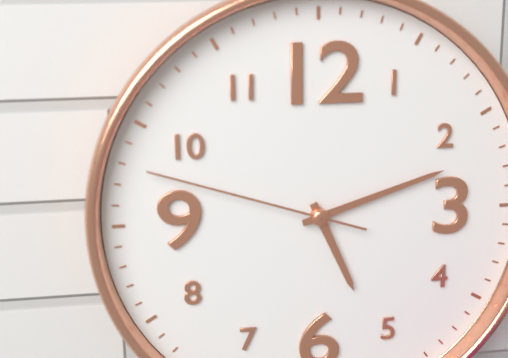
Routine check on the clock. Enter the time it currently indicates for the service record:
5:12:48
